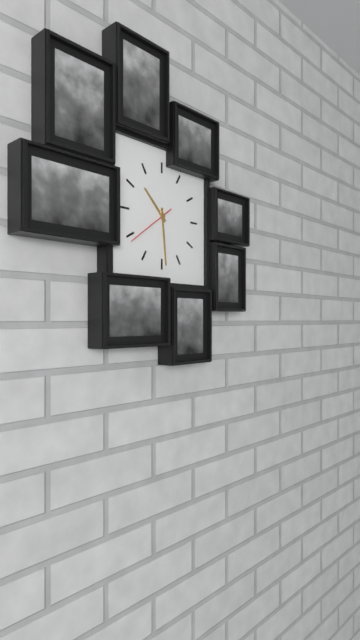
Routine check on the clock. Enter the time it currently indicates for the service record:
10:29:39
